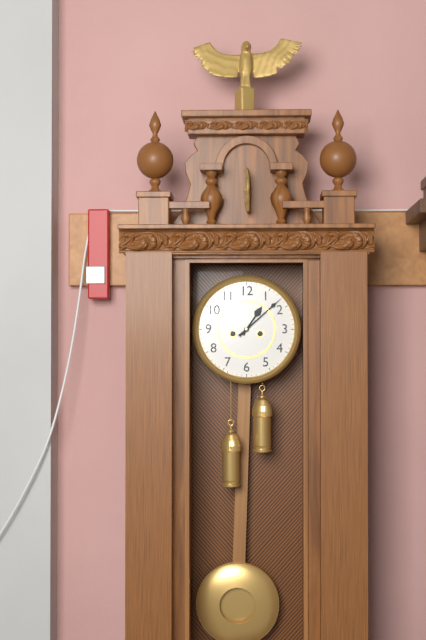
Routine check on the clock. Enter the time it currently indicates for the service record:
1:08
